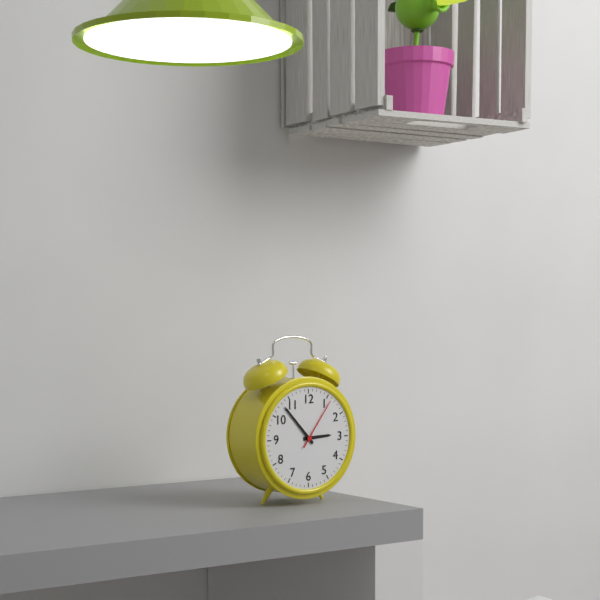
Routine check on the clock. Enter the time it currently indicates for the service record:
2:53:06
